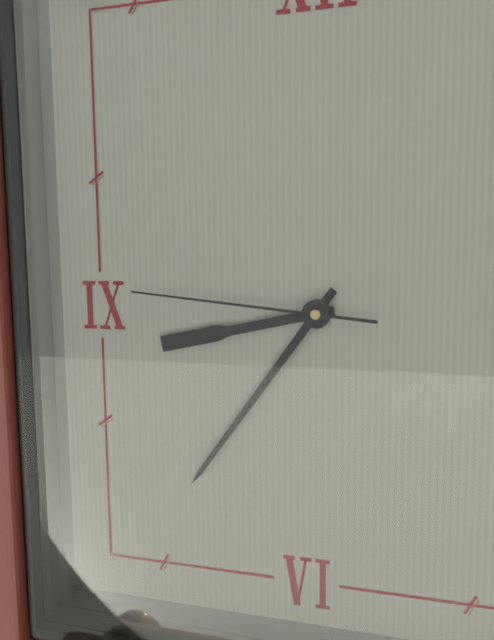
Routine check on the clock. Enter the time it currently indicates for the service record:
8:36:46
